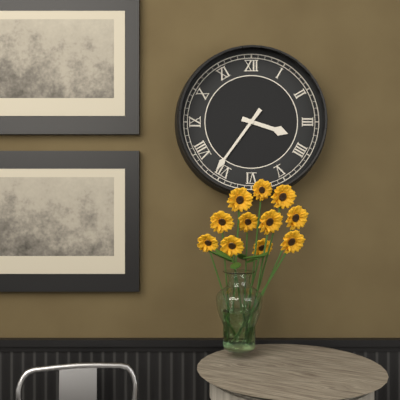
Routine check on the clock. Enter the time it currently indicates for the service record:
3:36
